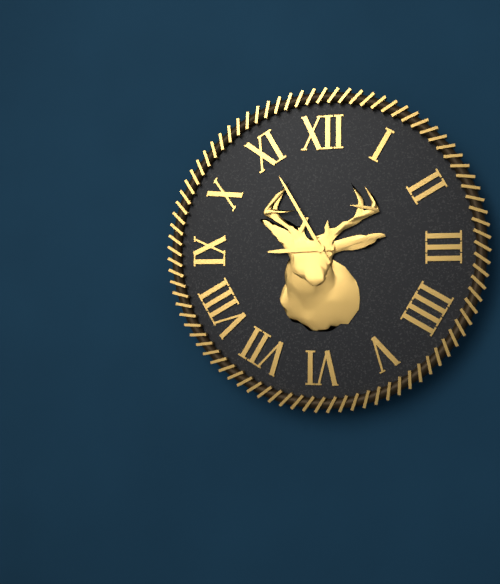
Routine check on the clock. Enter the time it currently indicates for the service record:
8:55
